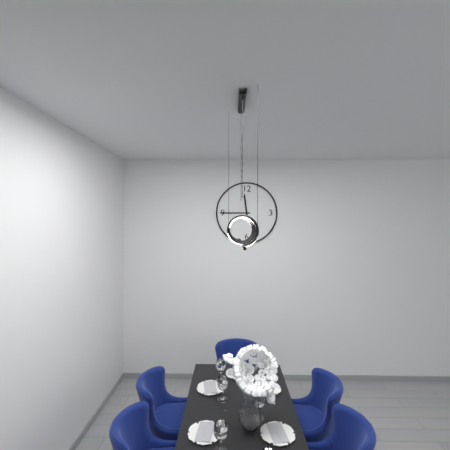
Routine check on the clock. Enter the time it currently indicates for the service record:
11:45
